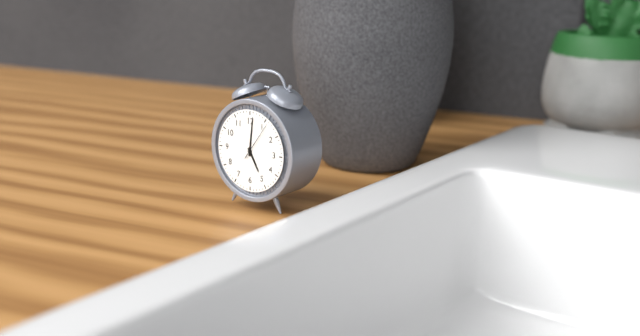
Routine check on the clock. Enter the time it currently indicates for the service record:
5:01
